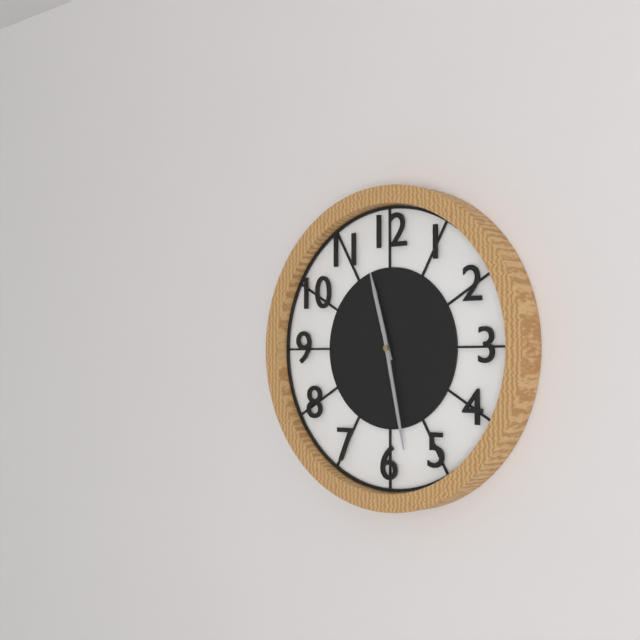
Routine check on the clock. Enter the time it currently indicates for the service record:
11:28
